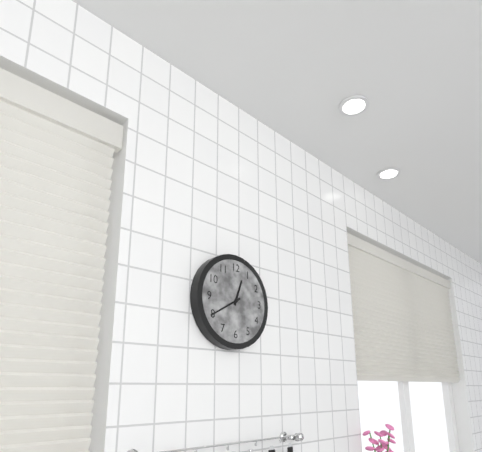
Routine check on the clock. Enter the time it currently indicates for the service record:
12:40
